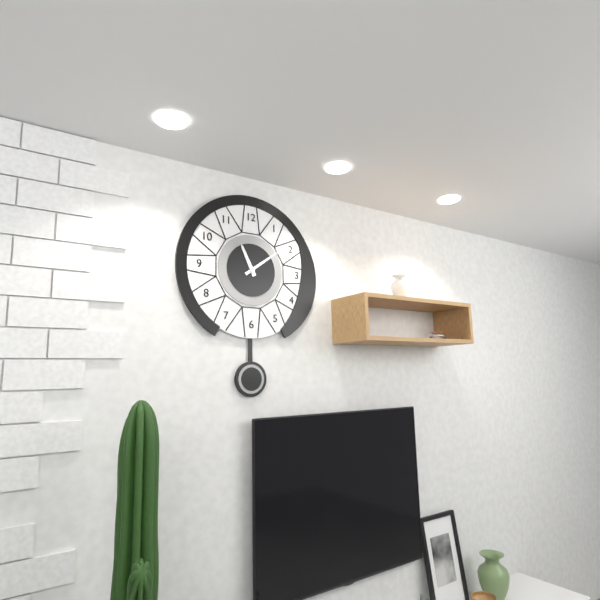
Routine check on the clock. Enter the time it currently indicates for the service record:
11:09
